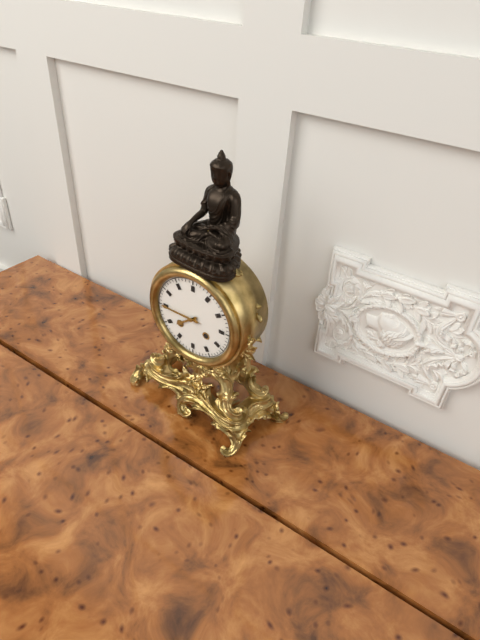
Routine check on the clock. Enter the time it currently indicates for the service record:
7:45
